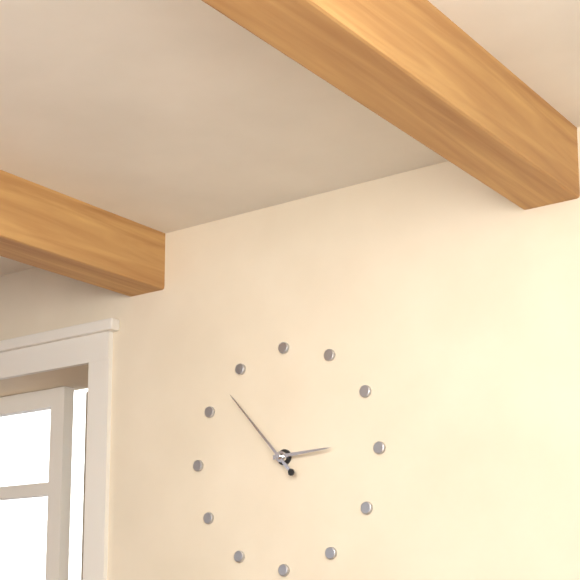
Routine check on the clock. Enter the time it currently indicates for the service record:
2:53
